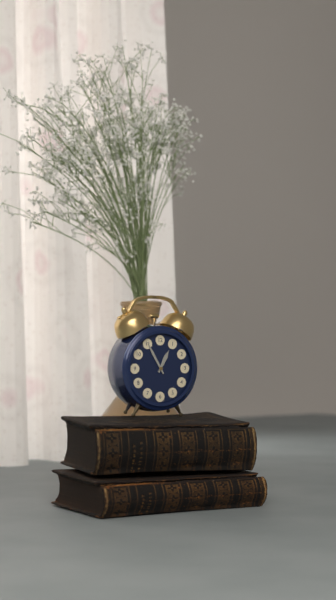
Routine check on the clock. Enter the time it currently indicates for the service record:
12:55
